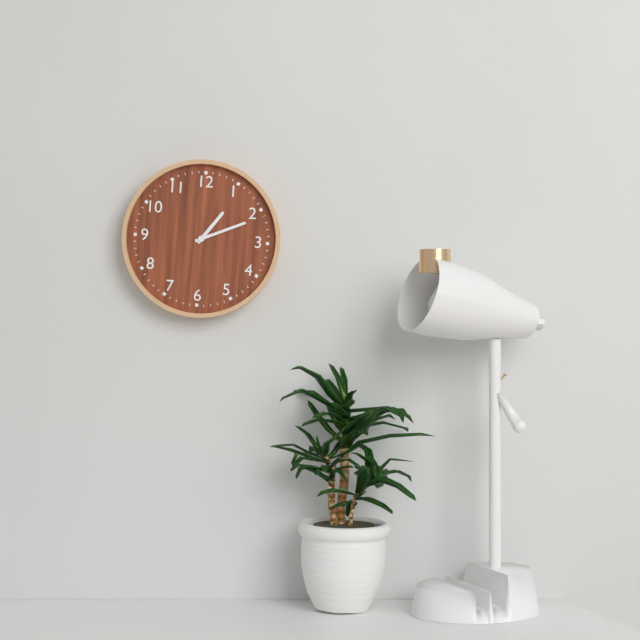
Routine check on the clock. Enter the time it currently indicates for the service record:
1:11
